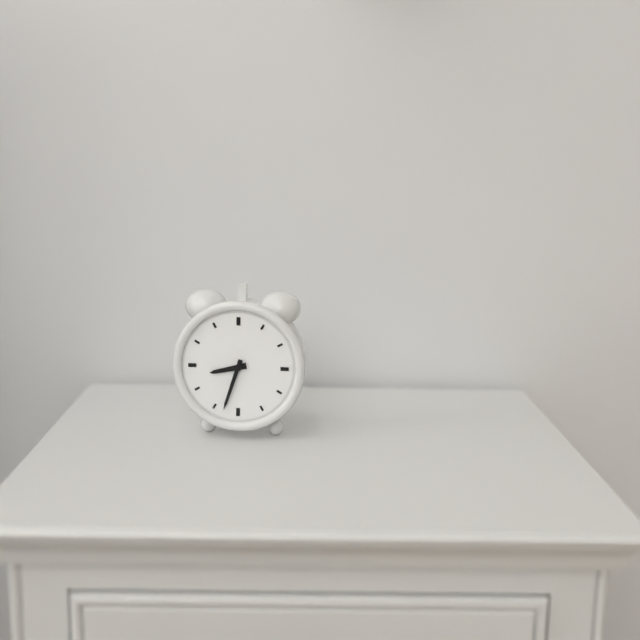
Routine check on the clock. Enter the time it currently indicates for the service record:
8:33
